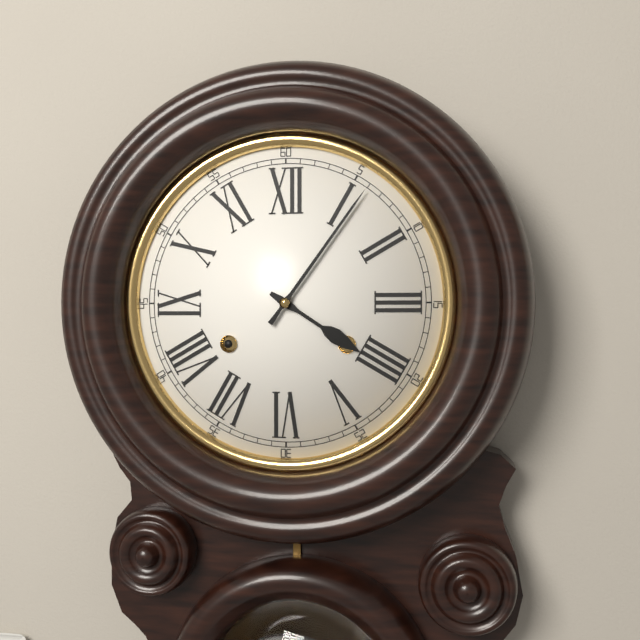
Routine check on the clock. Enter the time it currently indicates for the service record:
4:06
